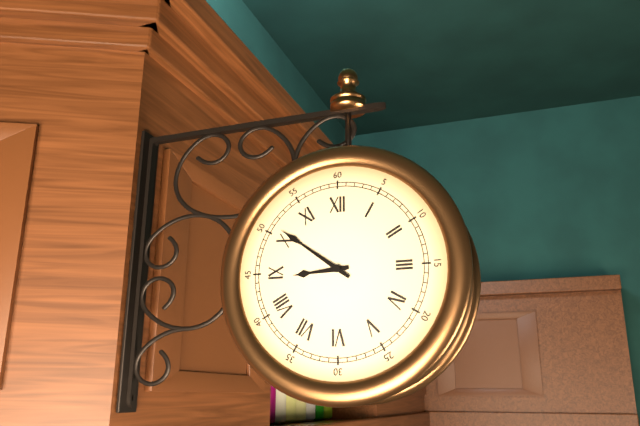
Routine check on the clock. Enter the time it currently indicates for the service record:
8:51
